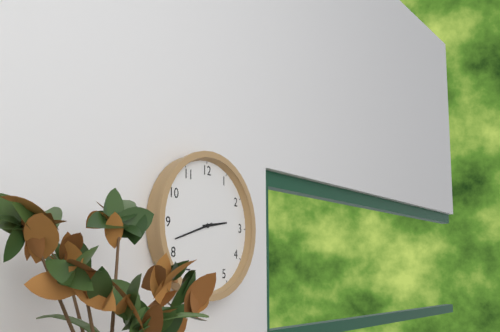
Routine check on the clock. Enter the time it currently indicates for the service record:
2:42
